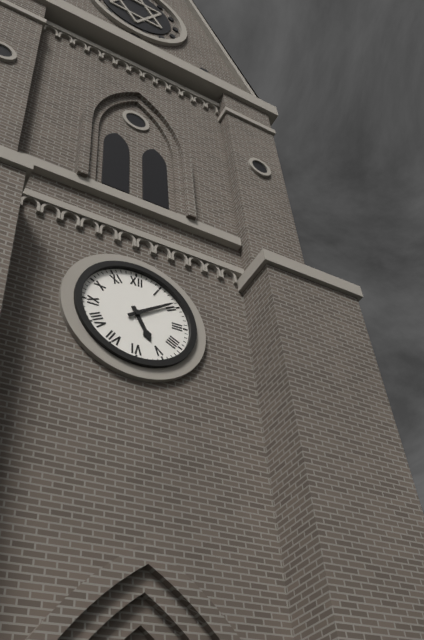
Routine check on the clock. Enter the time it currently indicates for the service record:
5:09
